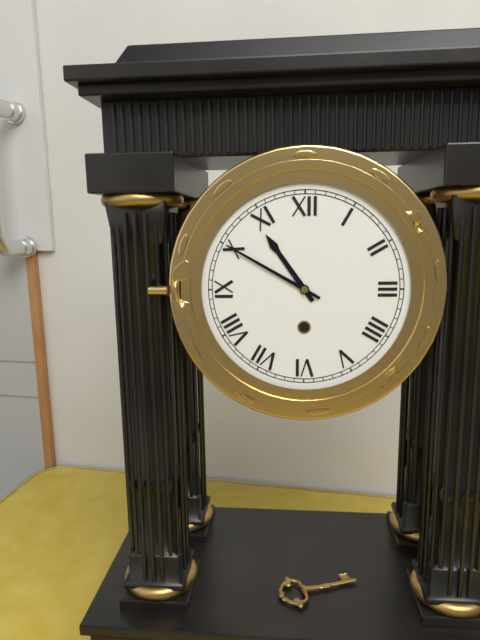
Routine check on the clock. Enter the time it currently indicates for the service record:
10:50
